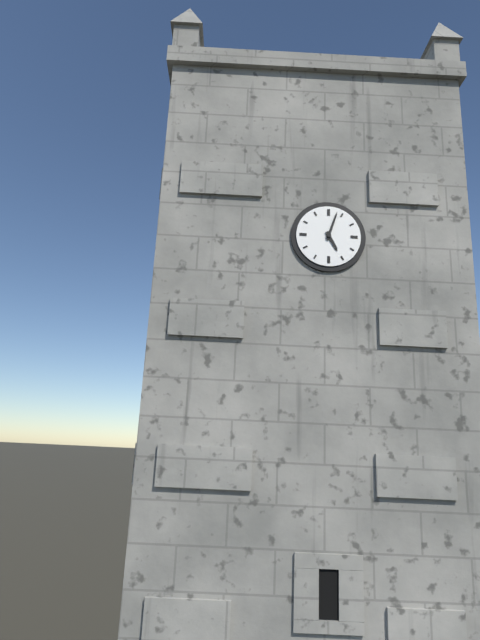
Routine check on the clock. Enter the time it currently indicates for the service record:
5:03
